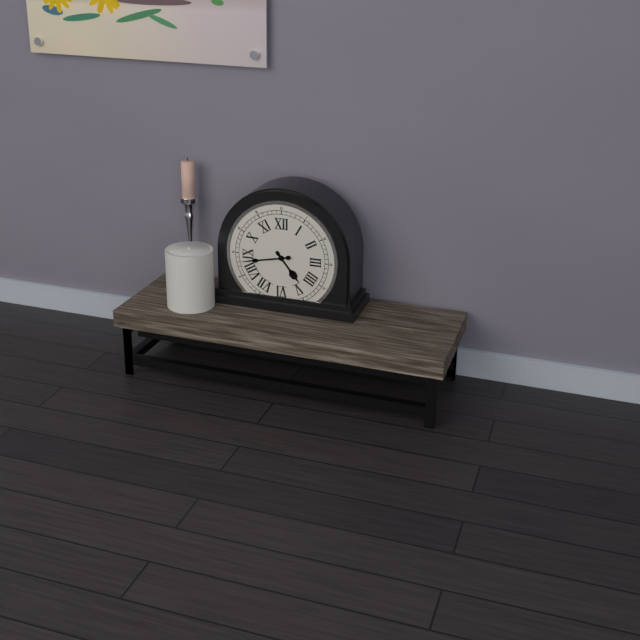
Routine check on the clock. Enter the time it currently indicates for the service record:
4:43
